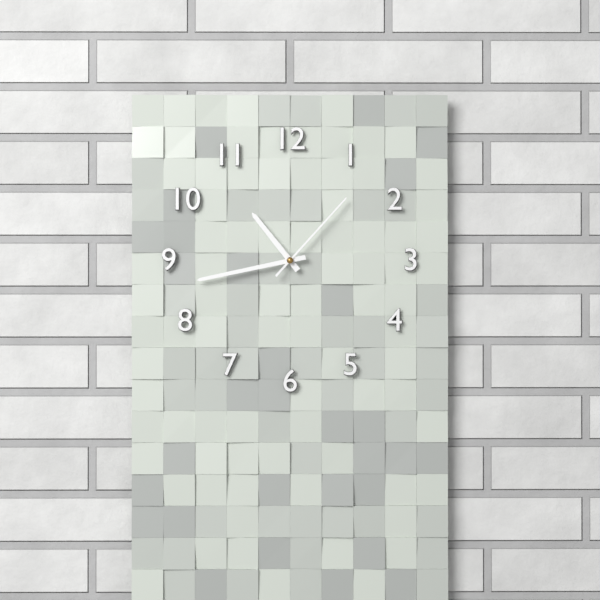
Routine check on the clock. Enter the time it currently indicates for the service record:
10:43:07
